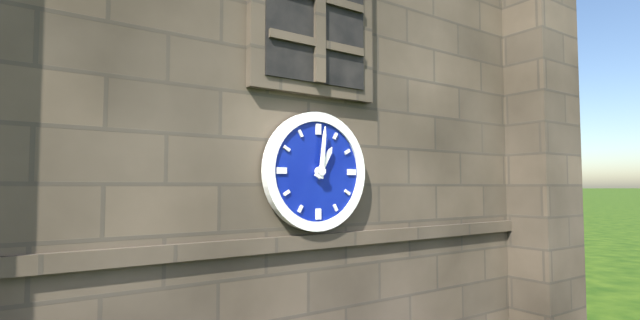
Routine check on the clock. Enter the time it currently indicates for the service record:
1:01
